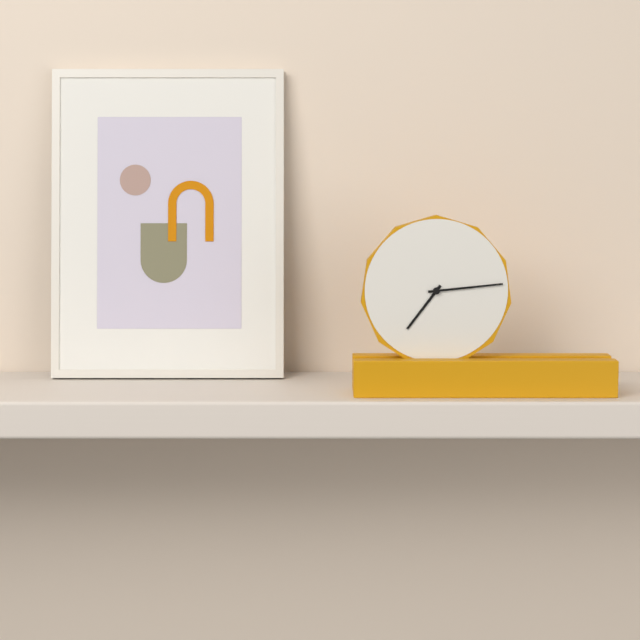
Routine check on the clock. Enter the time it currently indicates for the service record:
7:14
